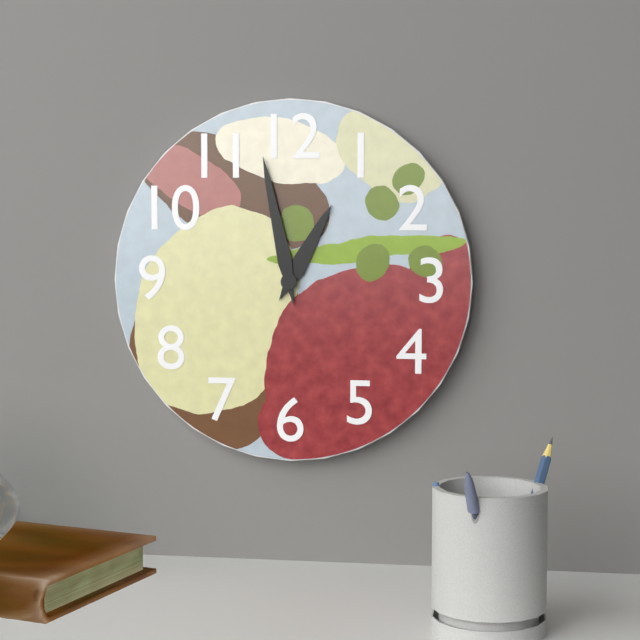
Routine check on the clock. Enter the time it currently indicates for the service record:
12:58
